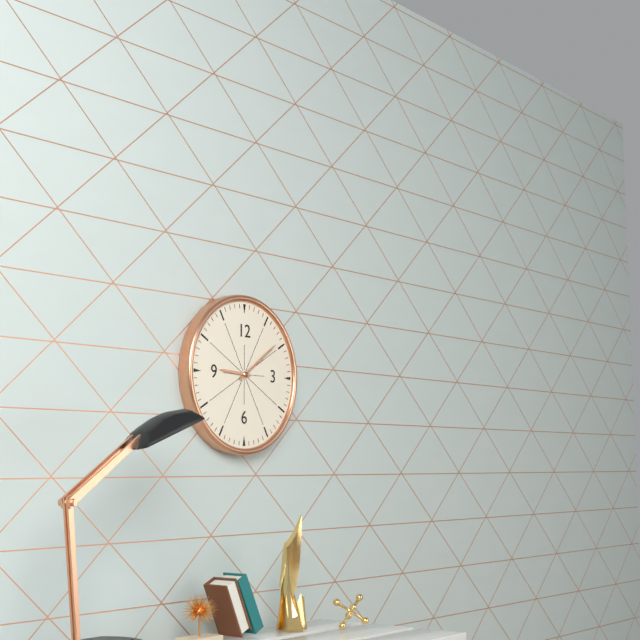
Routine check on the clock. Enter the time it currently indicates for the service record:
9:09
